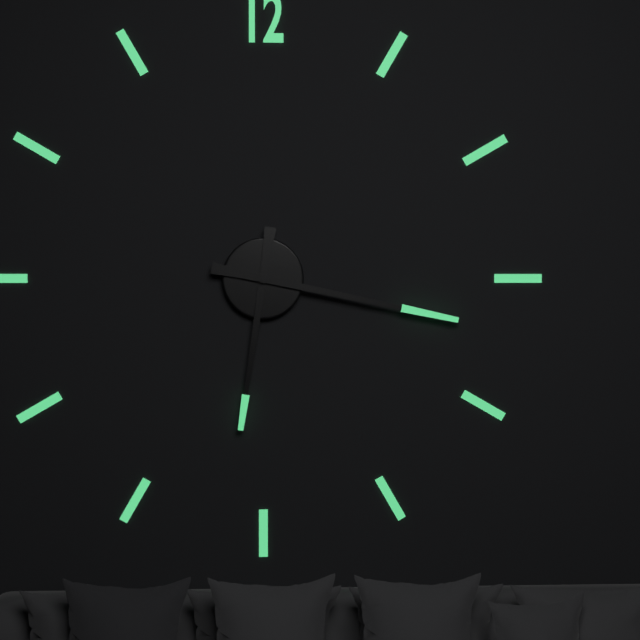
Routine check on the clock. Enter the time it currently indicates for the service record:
6:17
